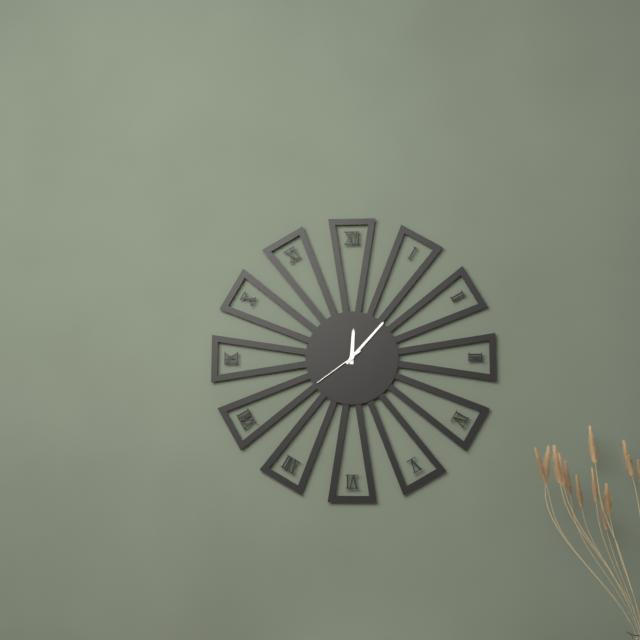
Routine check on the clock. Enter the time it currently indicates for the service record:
12:07:39
